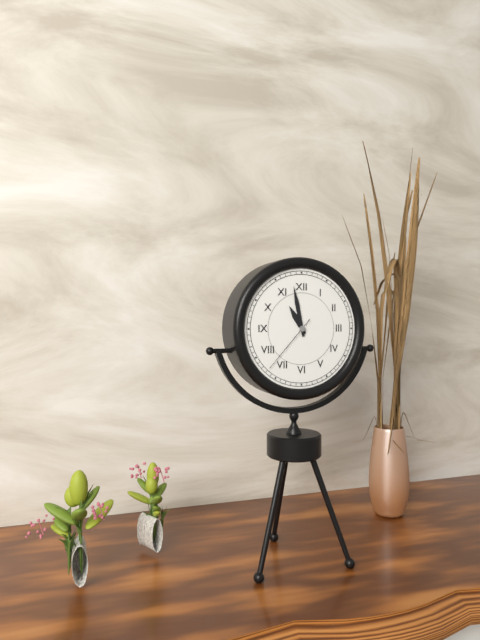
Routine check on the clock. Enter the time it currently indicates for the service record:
10:58:37
